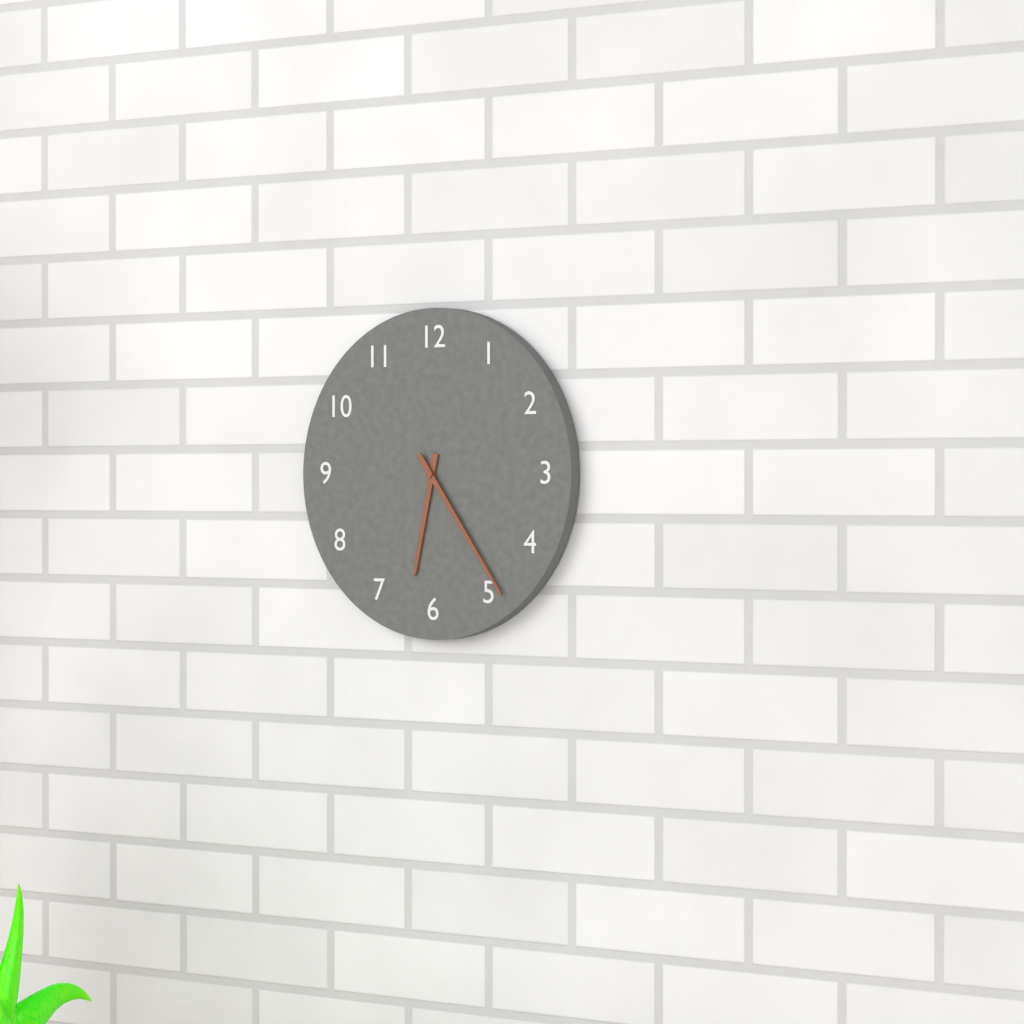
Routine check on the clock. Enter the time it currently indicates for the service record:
6:24
